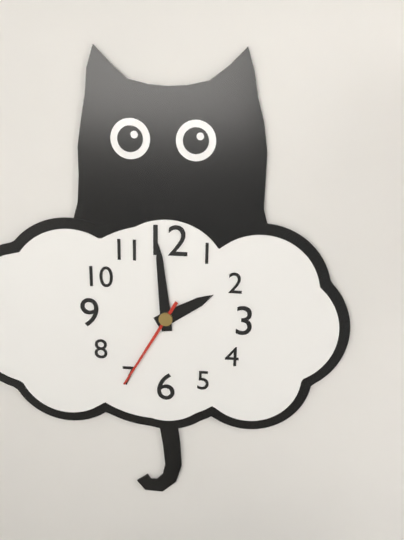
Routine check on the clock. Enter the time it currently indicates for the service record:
1:59:35
